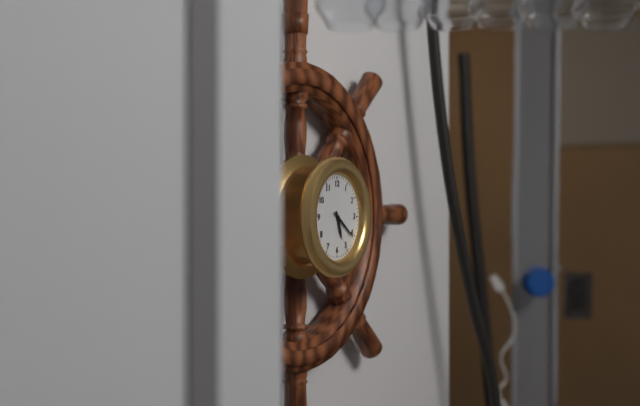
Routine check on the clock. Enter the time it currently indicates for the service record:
5:21
